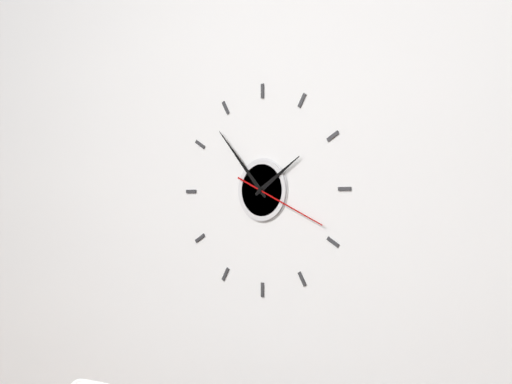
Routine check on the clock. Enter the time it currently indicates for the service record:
1:53:19
